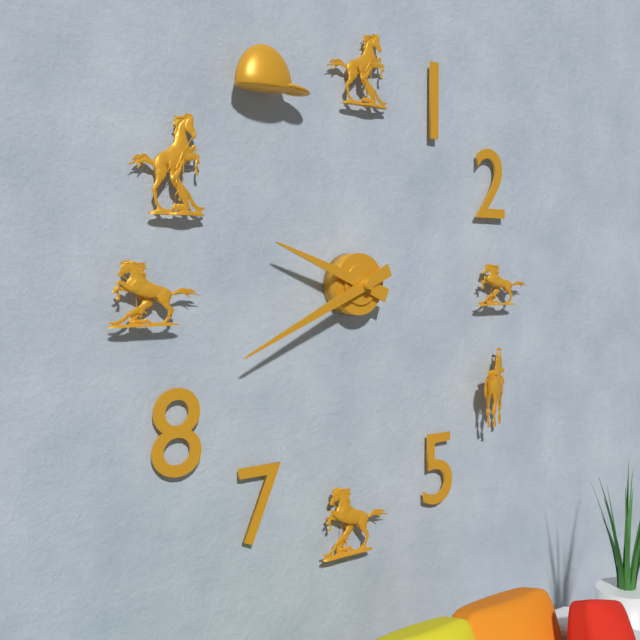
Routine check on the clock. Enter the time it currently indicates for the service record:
9:41
